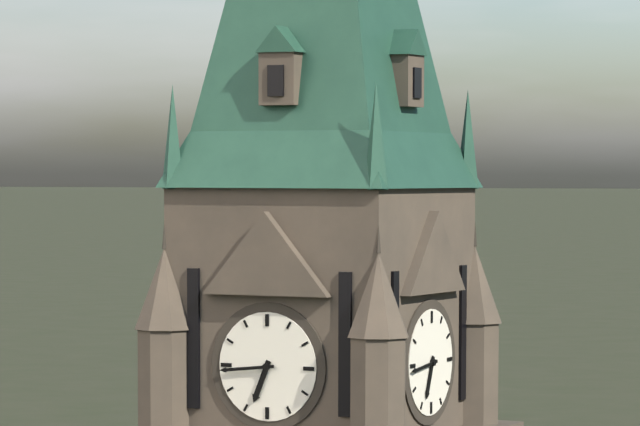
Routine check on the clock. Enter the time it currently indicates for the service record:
6:44
